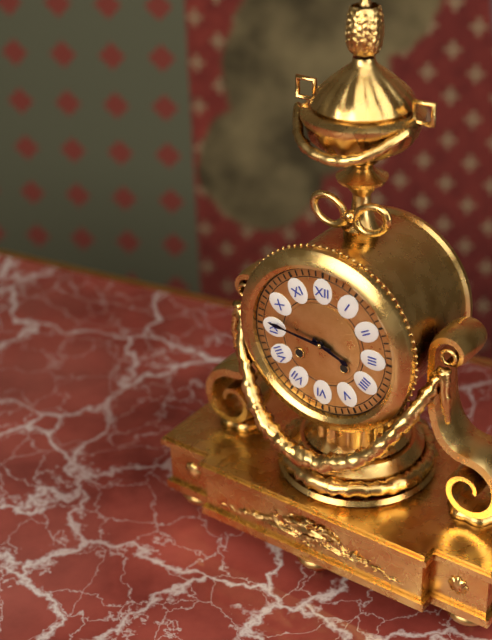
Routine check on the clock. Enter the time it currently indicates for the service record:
3:46
